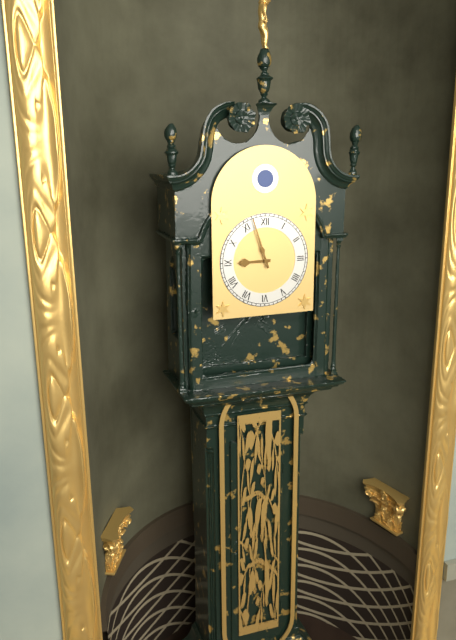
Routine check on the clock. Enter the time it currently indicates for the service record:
8:57
